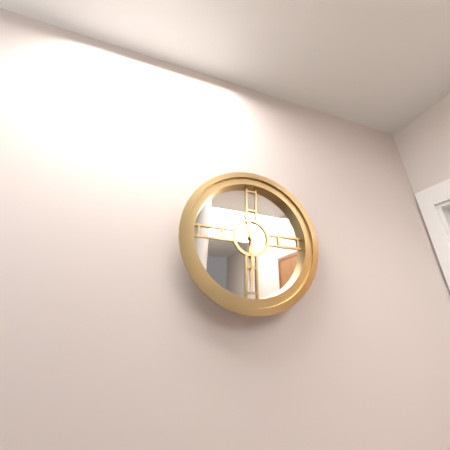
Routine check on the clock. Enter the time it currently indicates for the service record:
11:30
